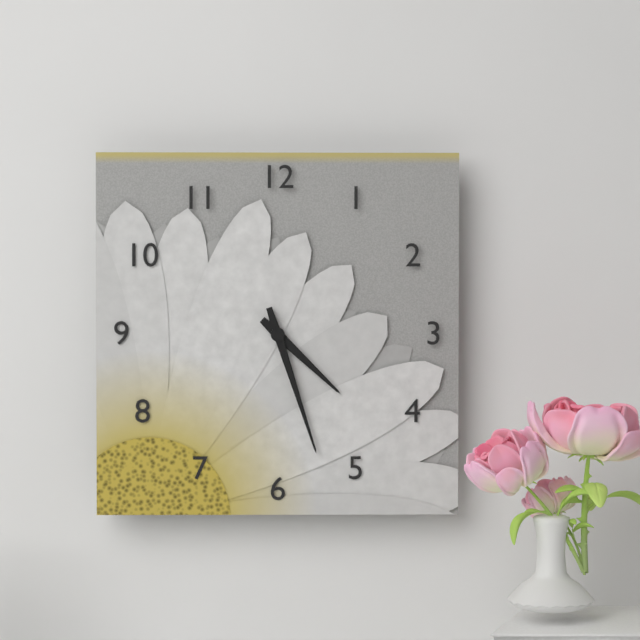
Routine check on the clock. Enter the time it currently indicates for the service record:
4:27
